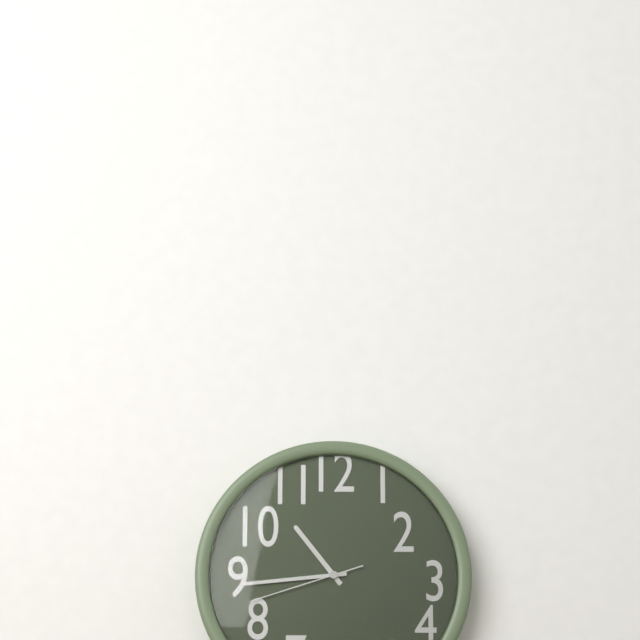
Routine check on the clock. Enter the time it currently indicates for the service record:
10:44:42
